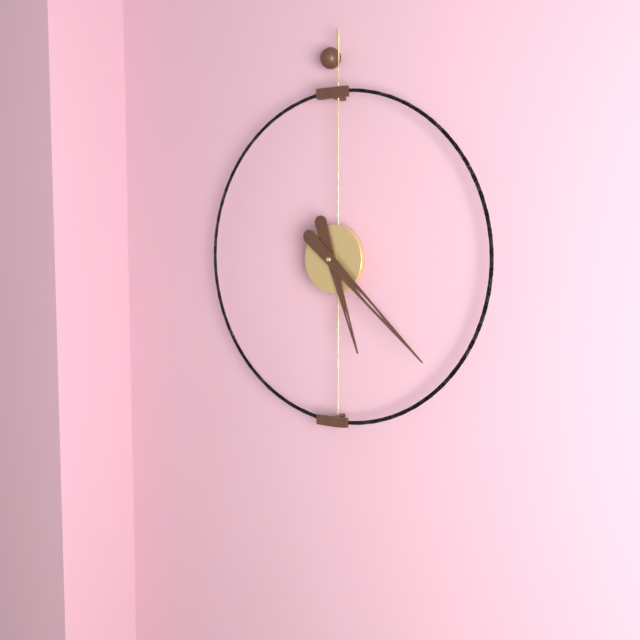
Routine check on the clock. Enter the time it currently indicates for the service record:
5:22
